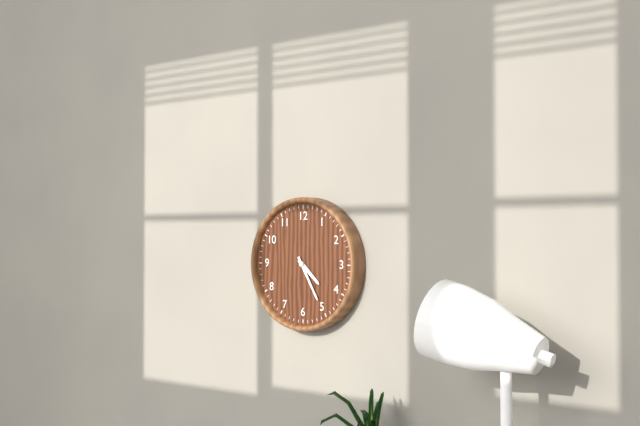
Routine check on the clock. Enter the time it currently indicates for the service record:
4:25
